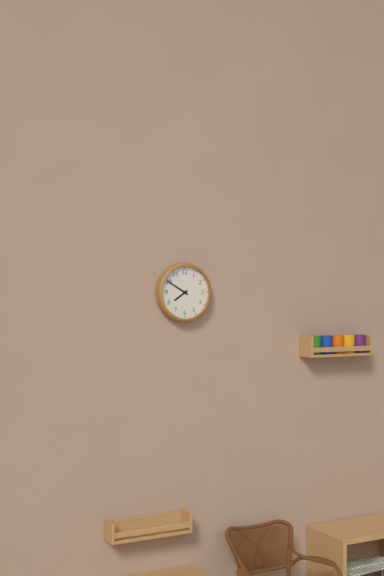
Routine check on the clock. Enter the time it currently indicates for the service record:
7:50
